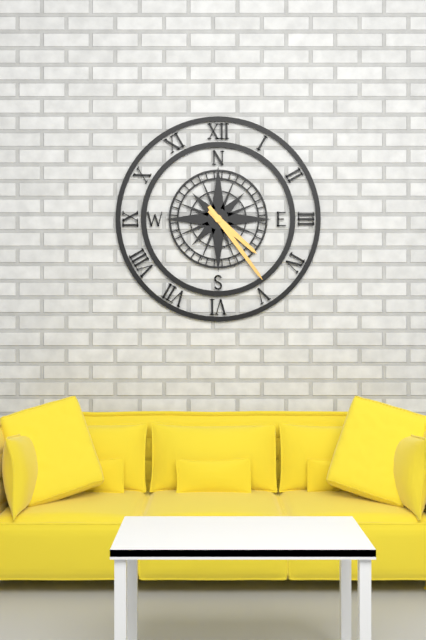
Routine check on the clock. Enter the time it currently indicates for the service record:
4:24
